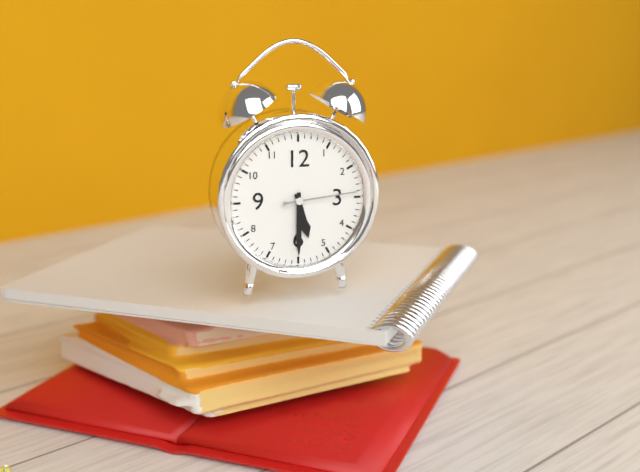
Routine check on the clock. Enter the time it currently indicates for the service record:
5:30:14
